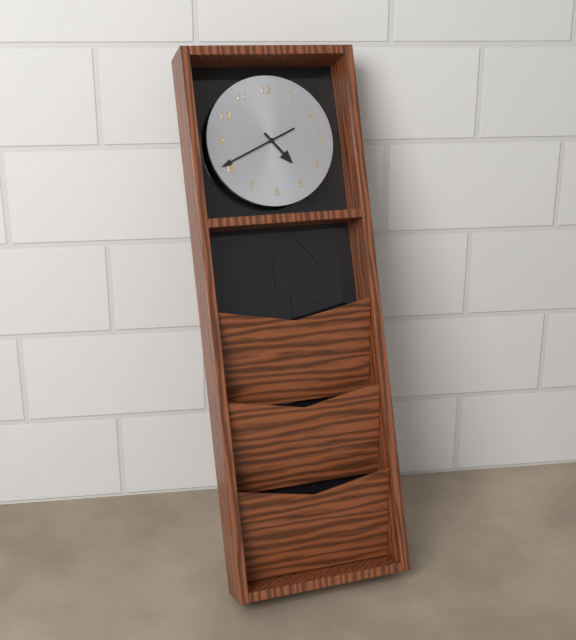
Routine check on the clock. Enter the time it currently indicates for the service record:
4:41
